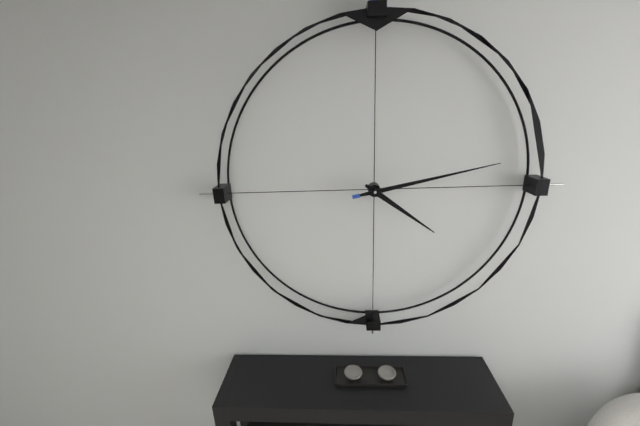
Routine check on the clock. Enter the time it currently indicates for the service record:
4:13
